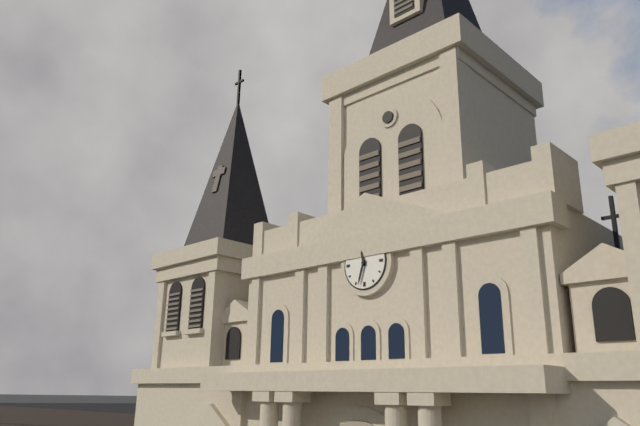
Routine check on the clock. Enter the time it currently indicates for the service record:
11:33
